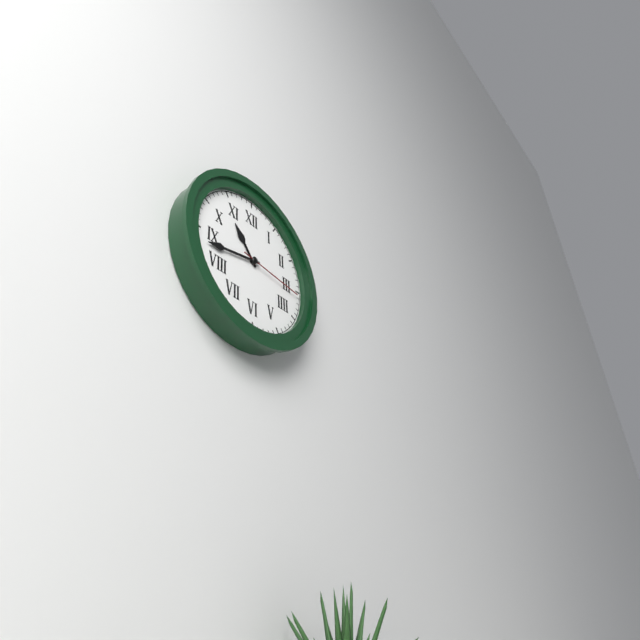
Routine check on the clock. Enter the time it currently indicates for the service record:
10:43:16
